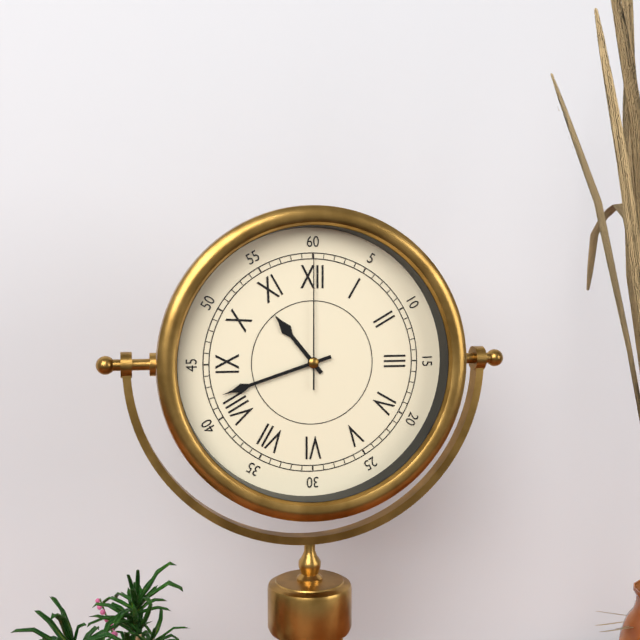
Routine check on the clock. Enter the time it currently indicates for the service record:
10:42:00
